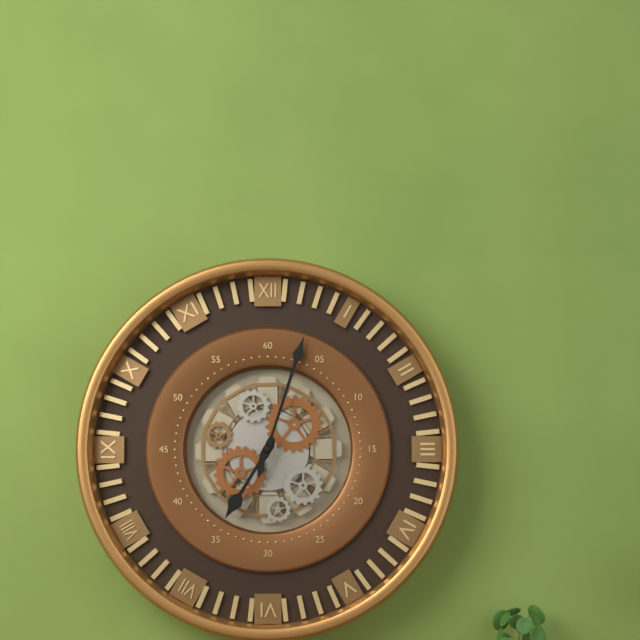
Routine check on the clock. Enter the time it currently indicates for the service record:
7:03
